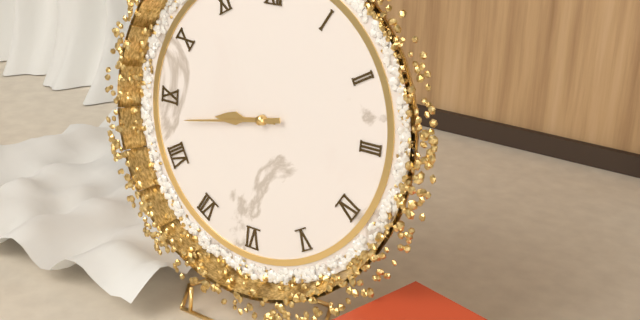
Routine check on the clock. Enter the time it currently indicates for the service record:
8:43
